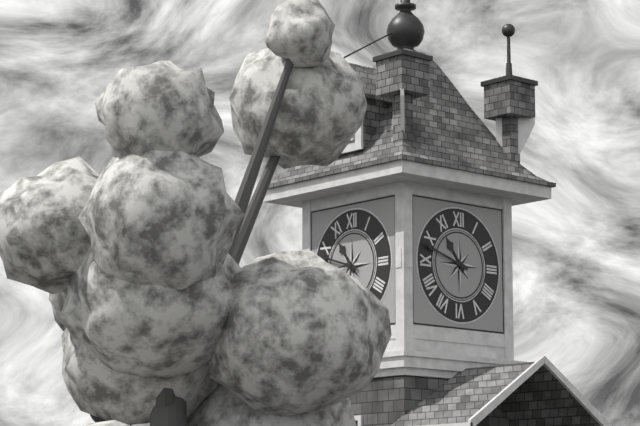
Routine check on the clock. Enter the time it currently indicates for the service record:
10:48
